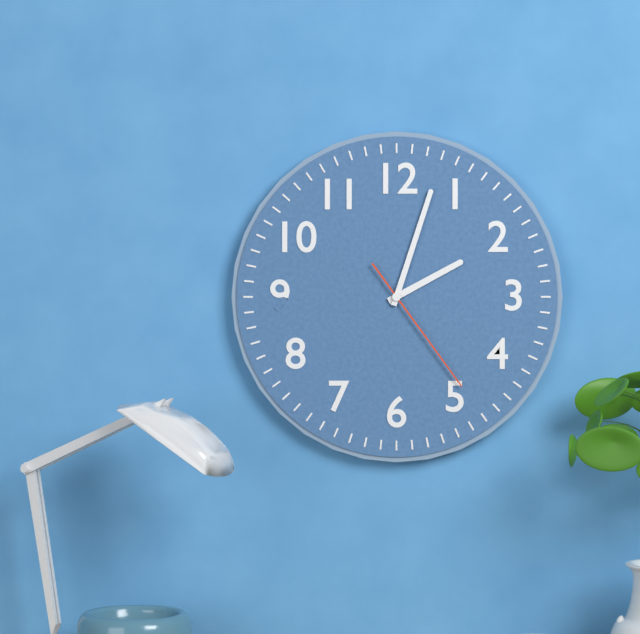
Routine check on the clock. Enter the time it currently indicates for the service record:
2:03:24
